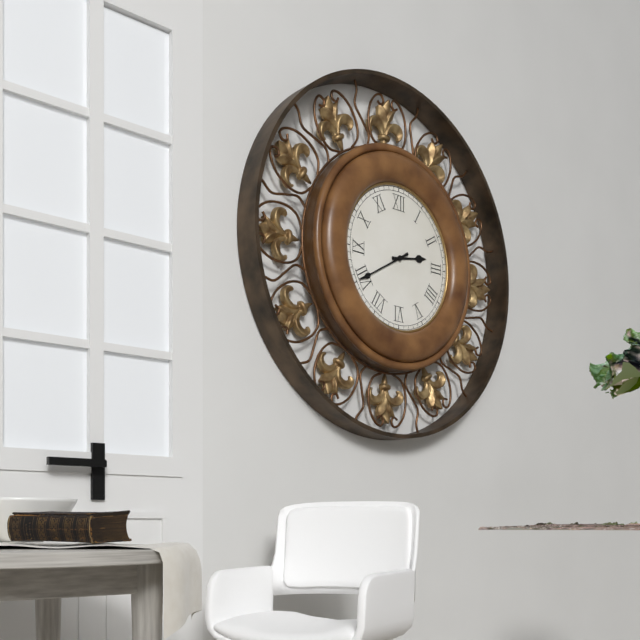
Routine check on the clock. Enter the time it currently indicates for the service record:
2:40
